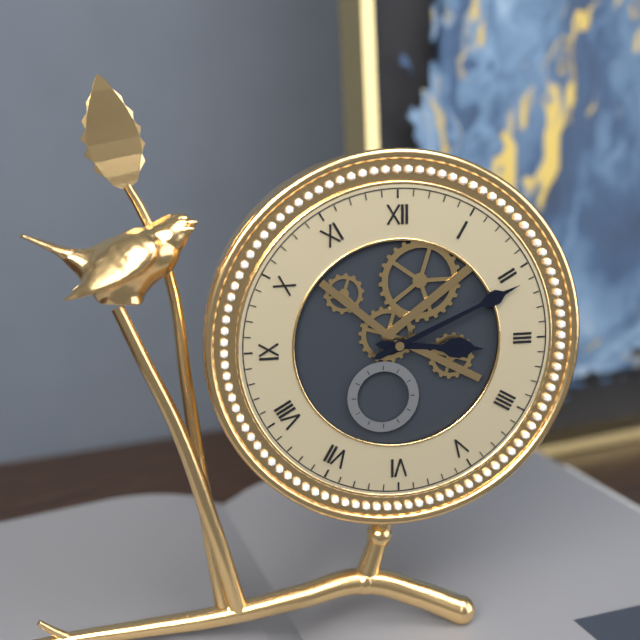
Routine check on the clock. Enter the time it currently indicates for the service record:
3:11
